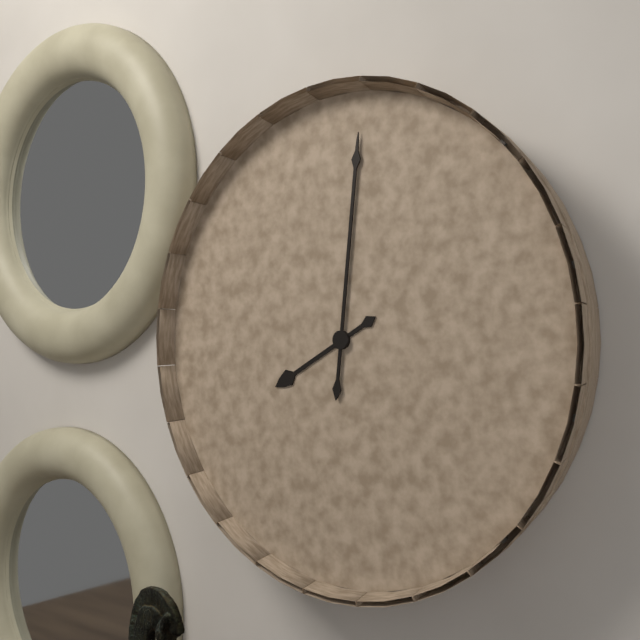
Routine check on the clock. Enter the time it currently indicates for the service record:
8:01
